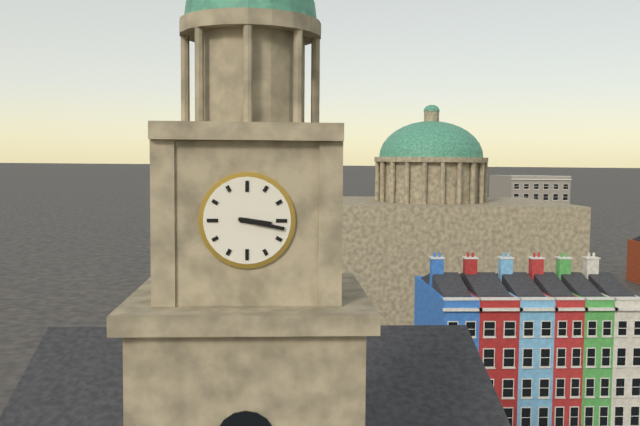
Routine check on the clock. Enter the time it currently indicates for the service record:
3:17
